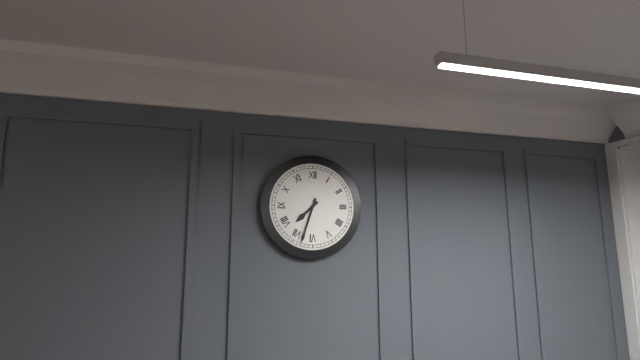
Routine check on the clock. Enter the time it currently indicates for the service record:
7:33
